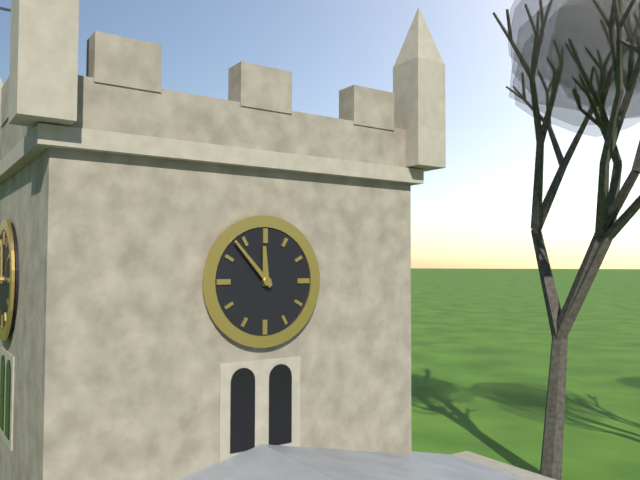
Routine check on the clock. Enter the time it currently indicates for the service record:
11:53
